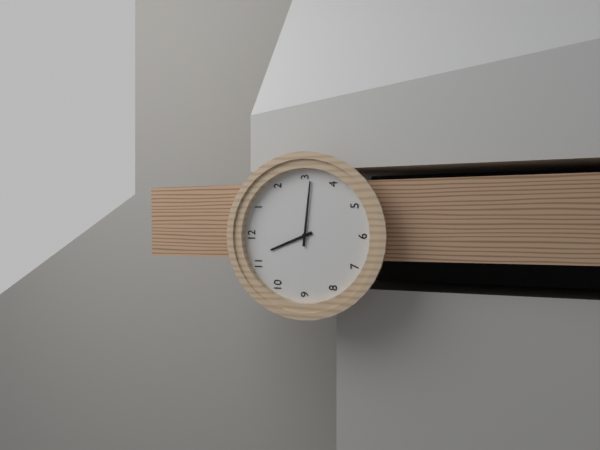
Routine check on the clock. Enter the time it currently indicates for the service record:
11:16
